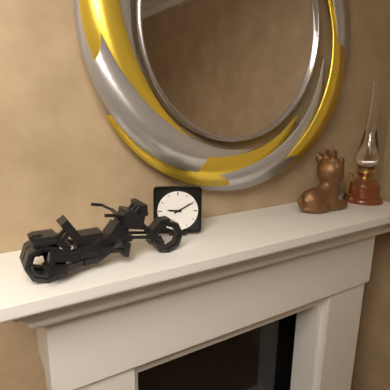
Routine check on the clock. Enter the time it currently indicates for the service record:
9:10
